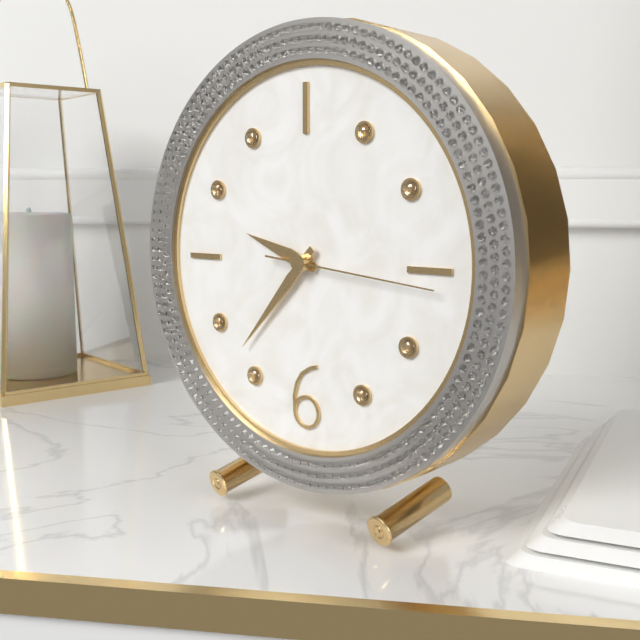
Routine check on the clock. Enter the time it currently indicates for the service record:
9:37:16
